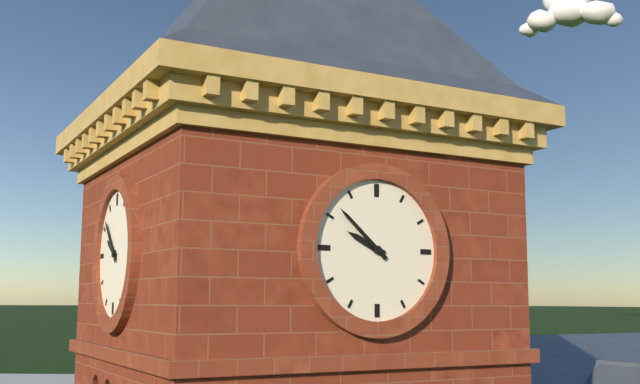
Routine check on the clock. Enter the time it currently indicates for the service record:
9:52
